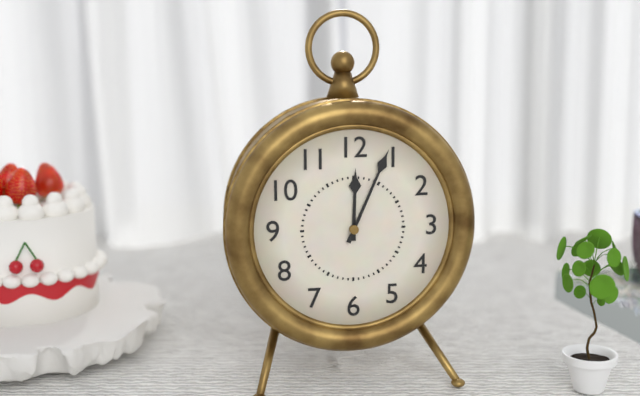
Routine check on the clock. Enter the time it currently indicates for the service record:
12:04
